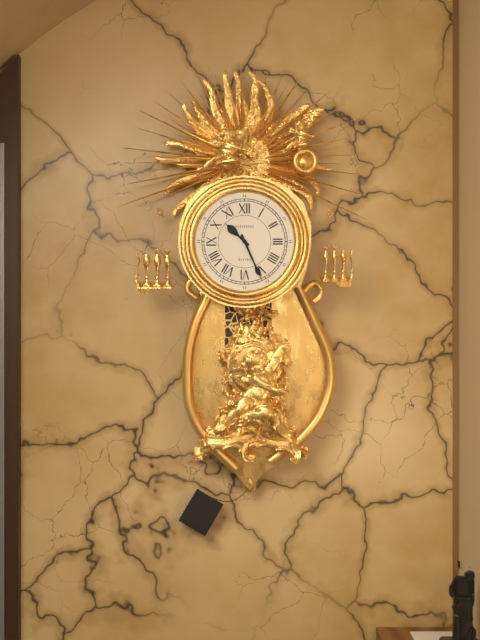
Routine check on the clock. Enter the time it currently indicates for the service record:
10:26
